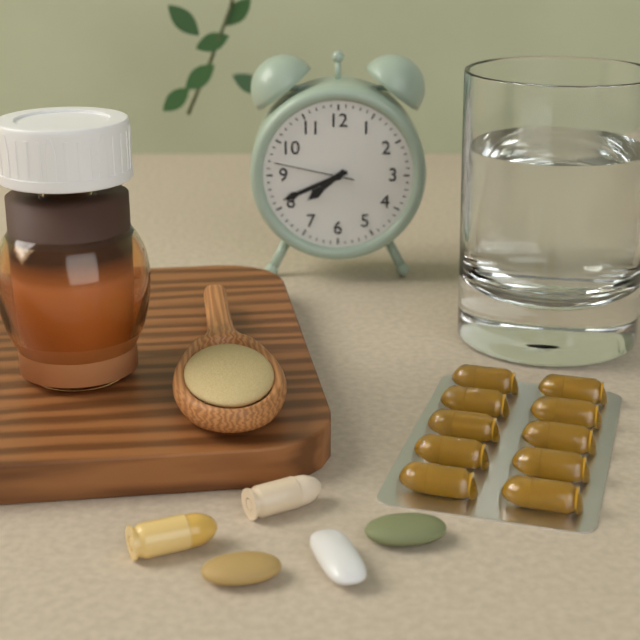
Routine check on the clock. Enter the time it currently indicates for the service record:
7:41:47
